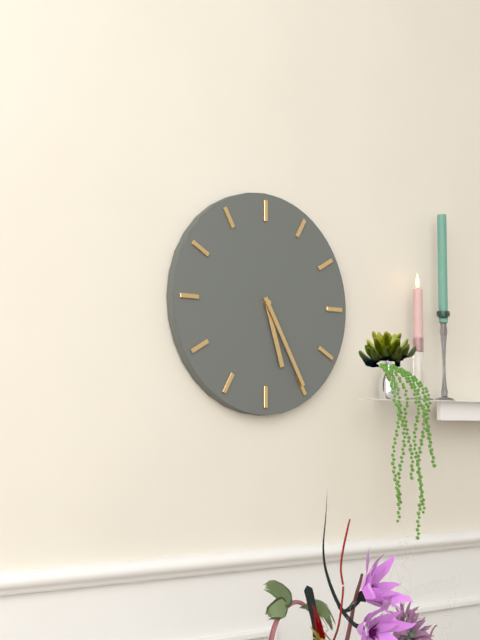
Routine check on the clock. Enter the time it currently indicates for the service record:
5:25
